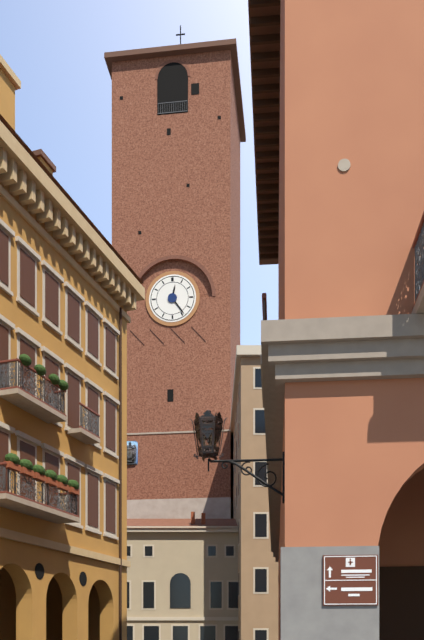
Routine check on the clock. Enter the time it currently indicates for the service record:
12:24
